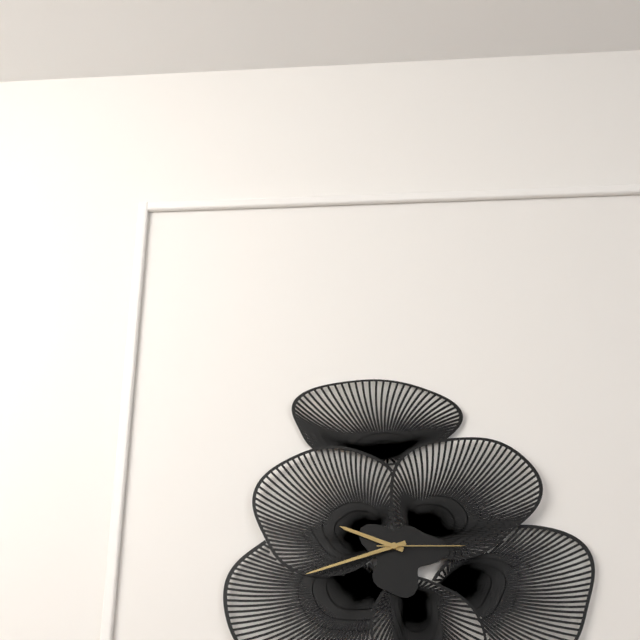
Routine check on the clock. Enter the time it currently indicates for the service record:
9:42:15
